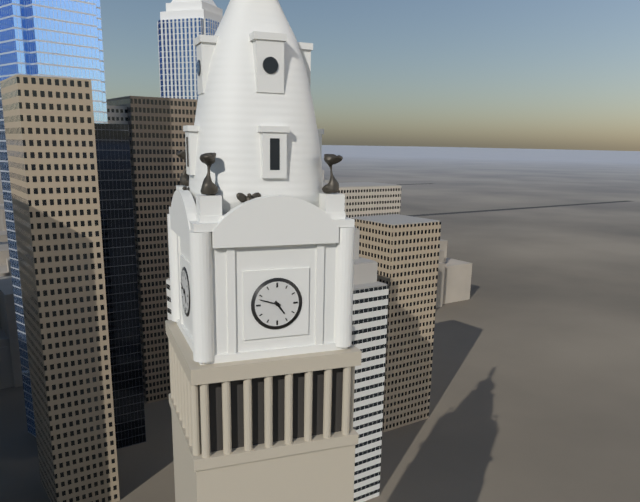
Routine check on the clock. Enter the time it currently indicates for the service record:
4:48
